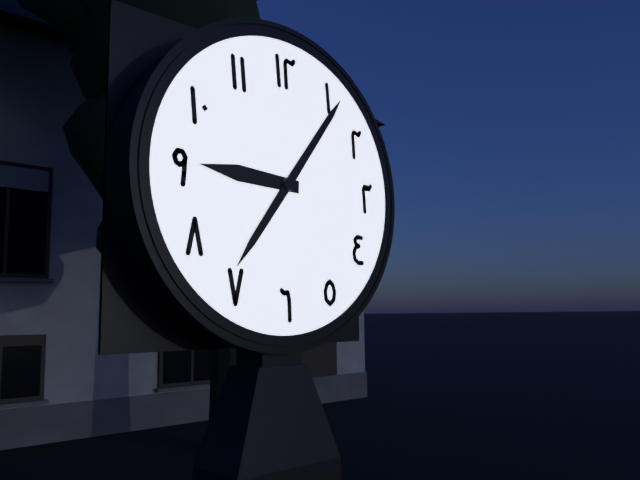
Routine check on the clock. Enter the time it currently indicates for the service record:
9:06
